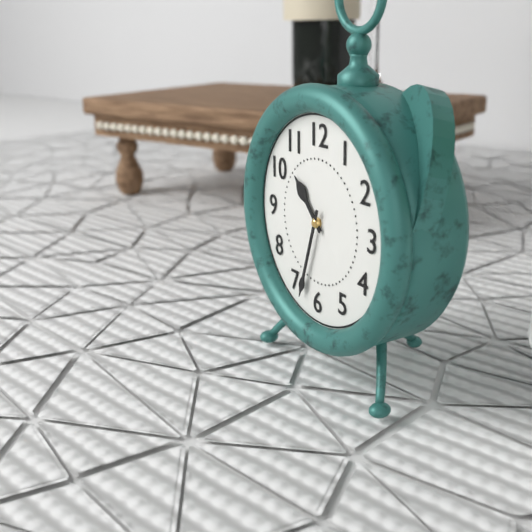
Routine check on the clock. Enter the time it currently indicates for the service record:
10:33
